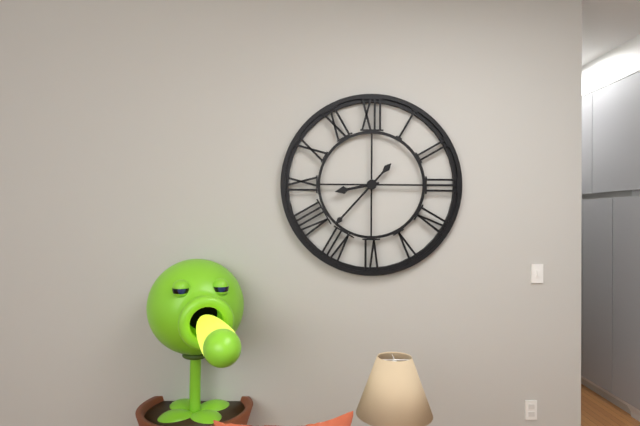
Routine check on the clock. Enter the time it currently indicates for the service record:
8:37
